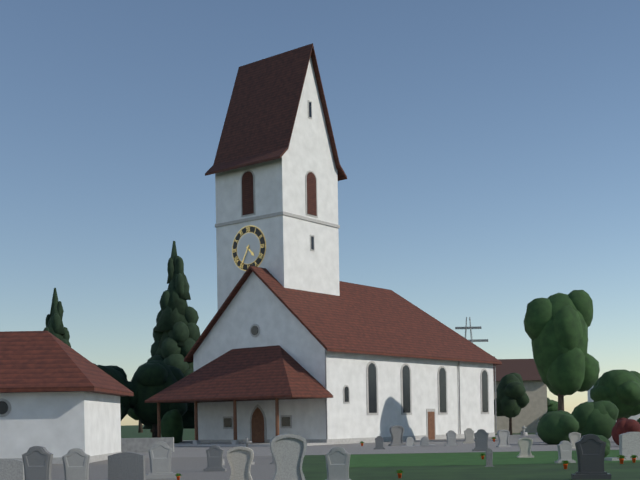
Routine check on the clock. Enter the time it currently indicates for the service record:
4:35
